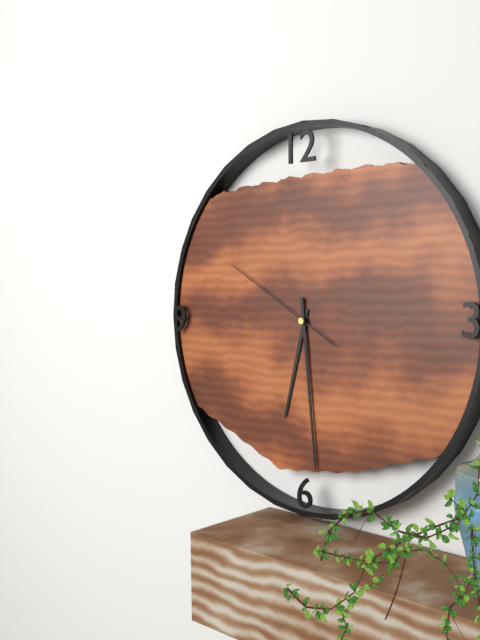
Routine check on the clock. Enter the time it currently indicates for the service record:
6:29:50
